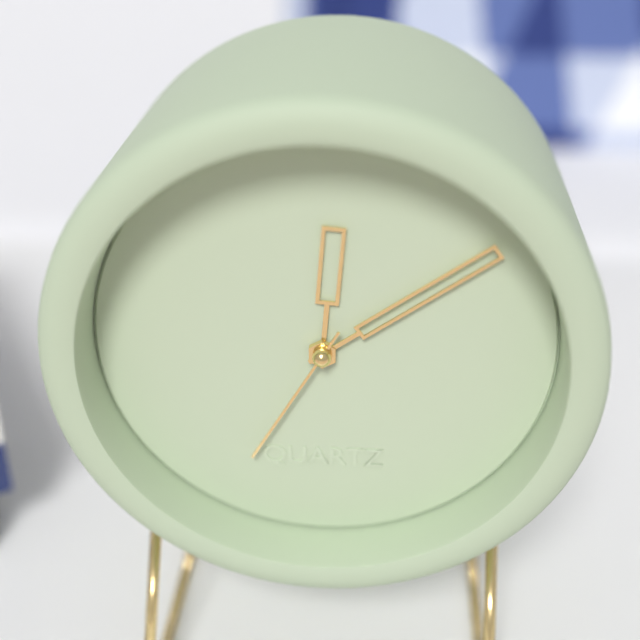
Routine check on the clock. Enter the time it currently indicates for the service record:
12:09:35
